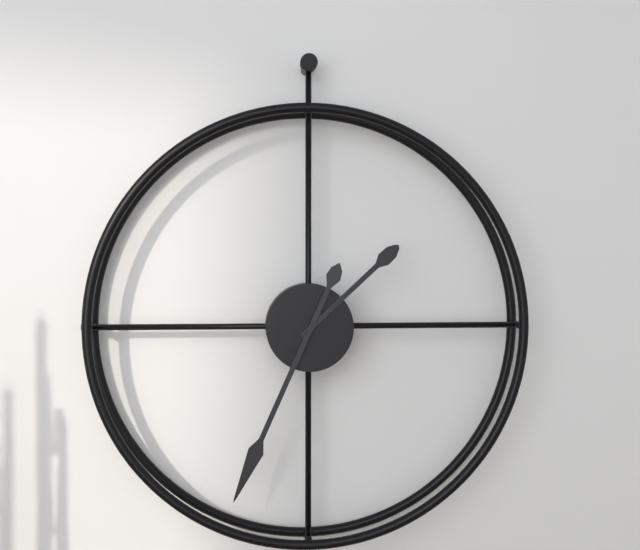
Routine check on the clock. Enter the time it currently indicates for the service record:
1:34
